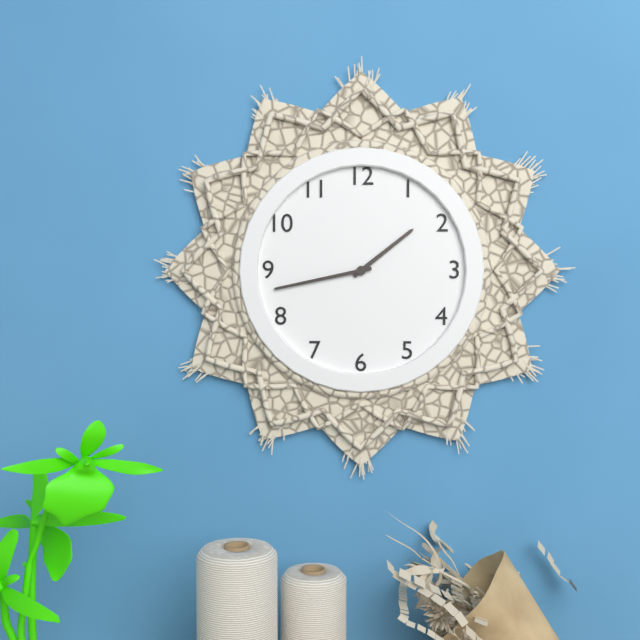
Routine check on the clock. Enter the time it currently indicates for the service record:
1:43
